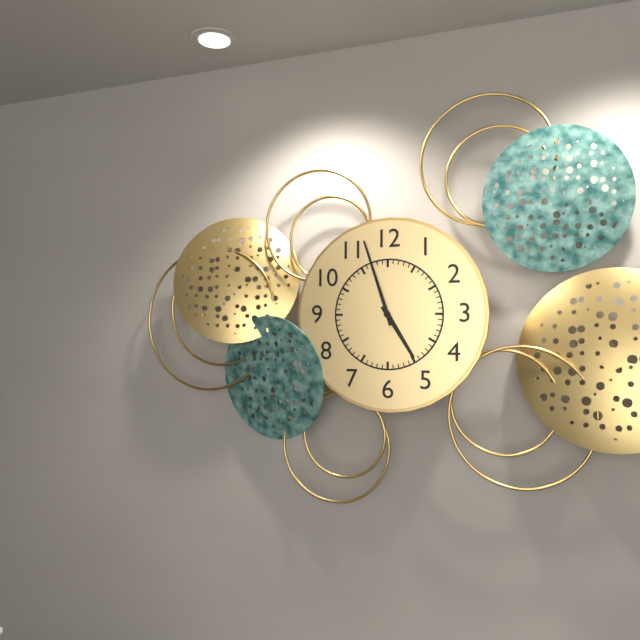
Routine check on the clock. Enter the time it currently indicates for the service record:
4:57
